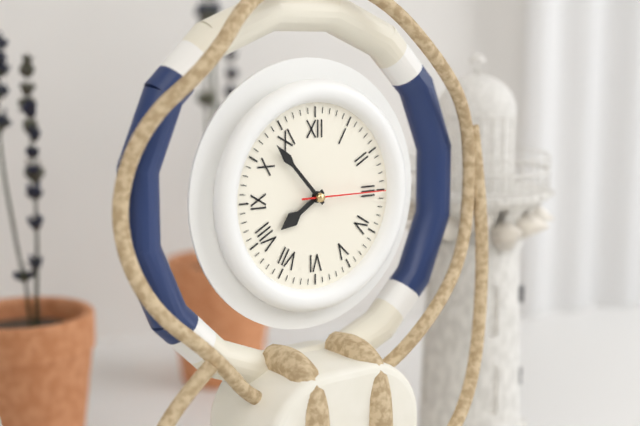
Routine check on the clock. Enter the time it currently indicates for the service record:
7:53:15
